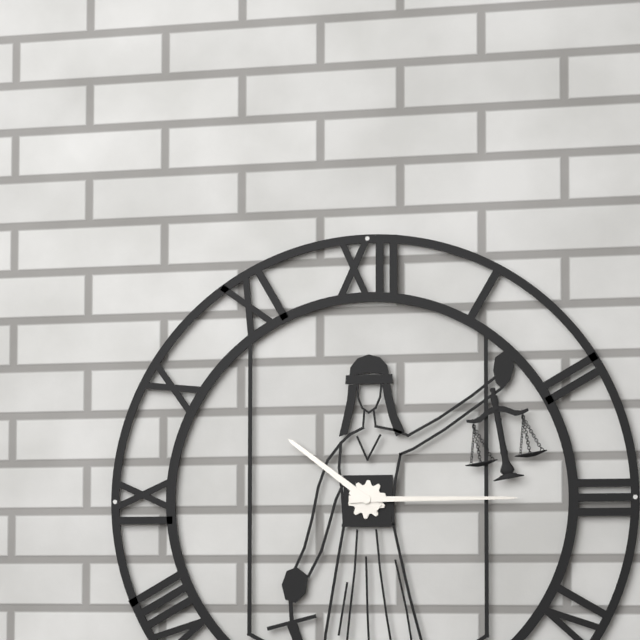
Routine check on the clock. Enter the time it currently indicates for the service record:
10:15
